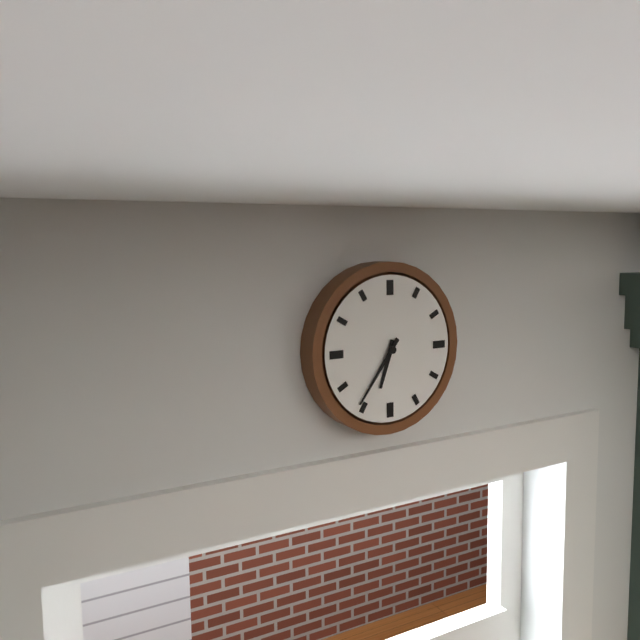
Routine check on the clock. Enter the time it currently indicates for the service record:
6:36
